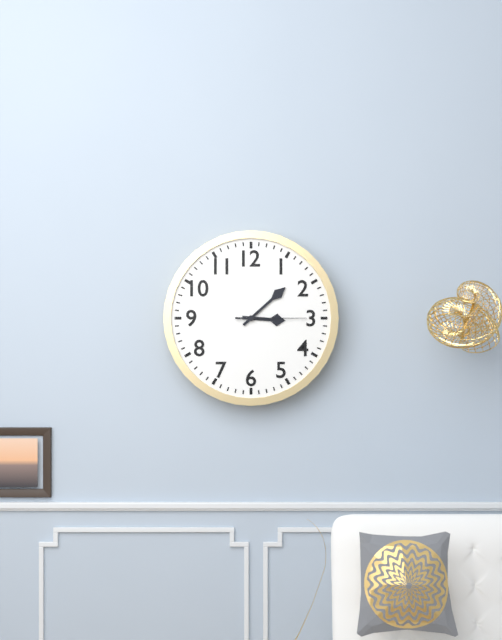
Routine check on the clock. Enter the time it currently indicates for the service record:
3:08:15
